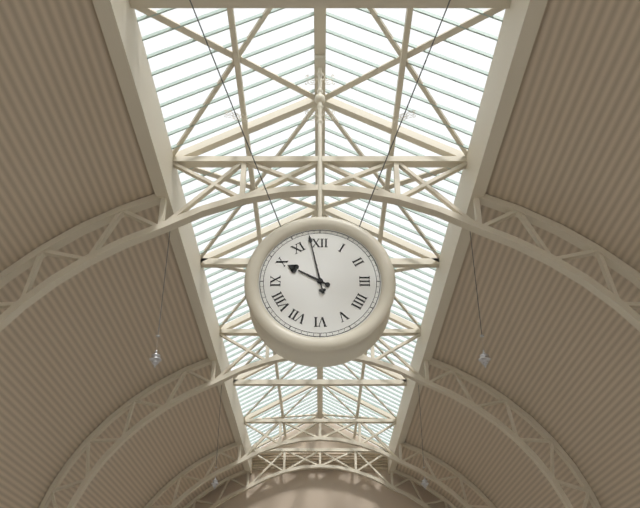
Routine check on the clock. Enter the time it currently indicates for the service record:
9:58
